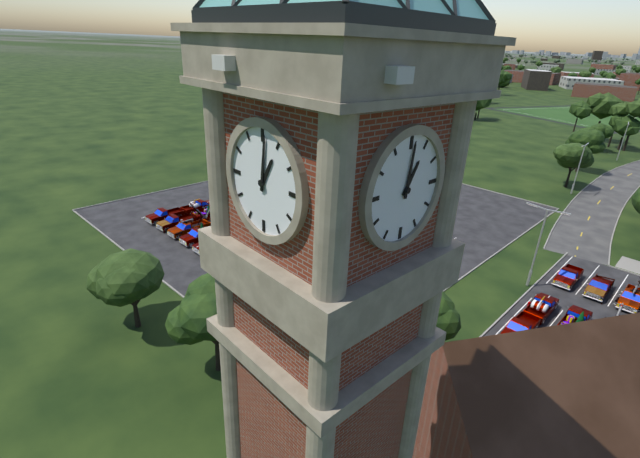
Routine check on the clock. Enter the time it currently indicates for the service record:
1:01
